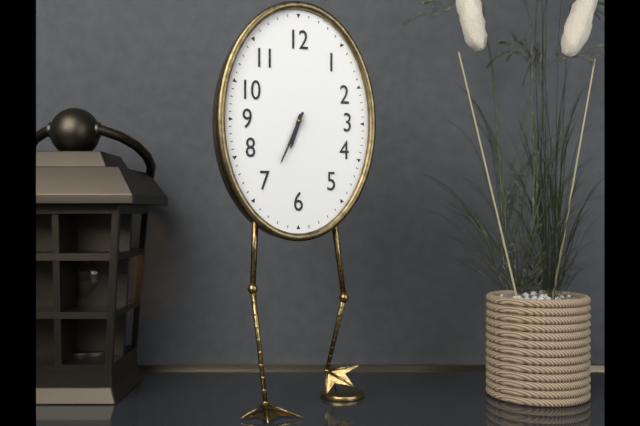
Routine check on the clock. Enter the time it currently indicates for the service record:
6:34
